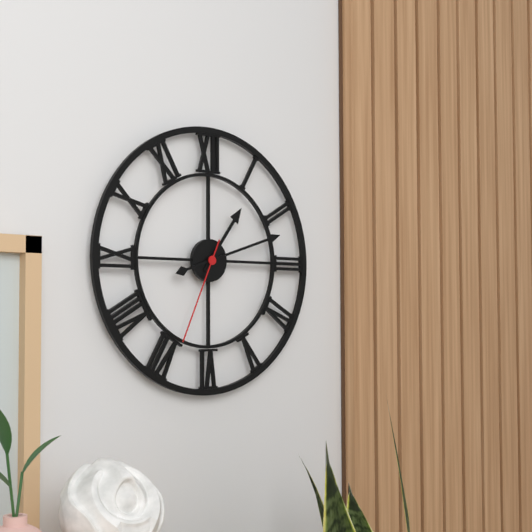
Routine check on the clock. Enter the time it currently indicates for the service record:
1:12:34
